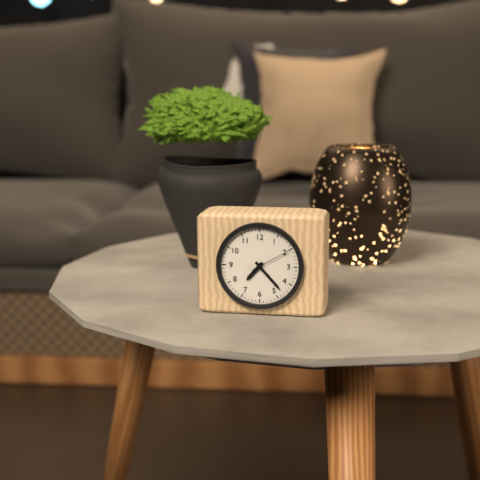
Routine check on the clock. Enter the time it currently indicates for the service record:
7:23
